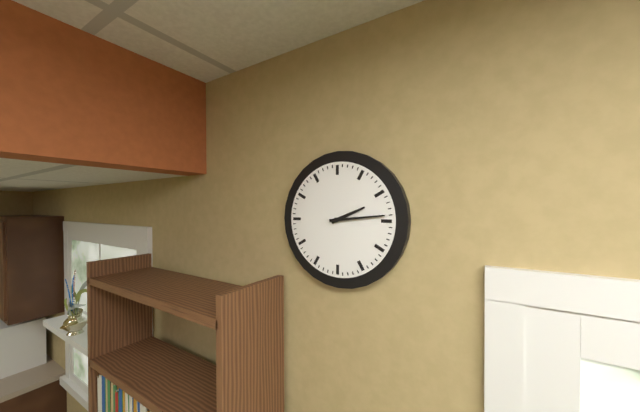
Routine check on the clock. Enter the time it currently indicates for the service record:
2:14
